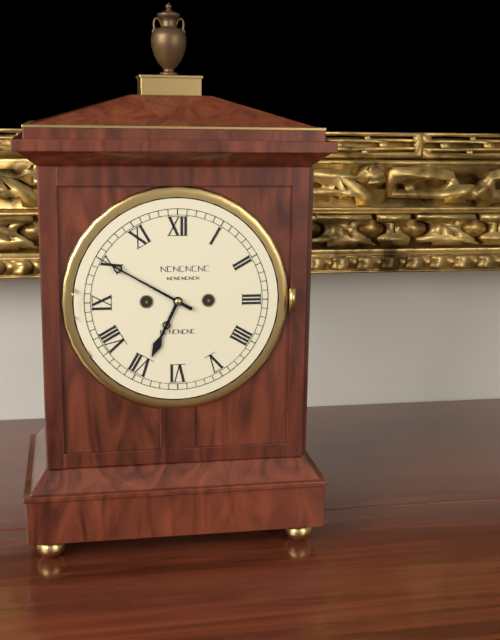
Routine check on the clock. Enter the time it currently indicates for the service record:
6:50
